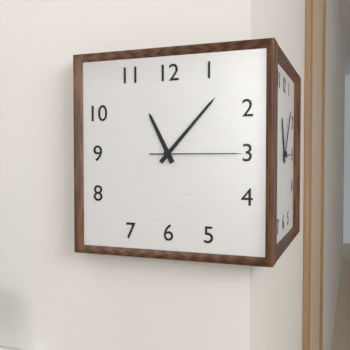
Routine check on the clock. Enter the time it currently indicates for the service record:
11:07:15
